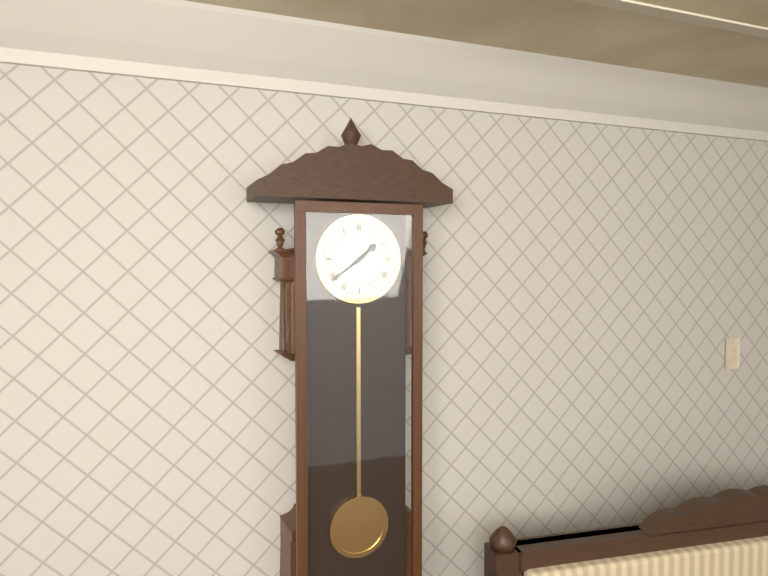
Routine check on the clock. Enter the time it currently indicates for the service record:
1:39
